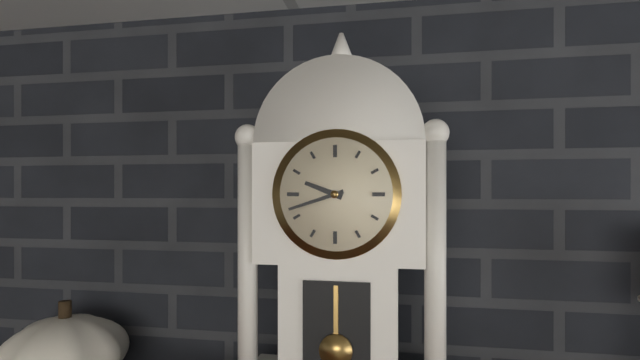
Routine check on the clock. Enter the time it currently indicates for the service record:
9:42
